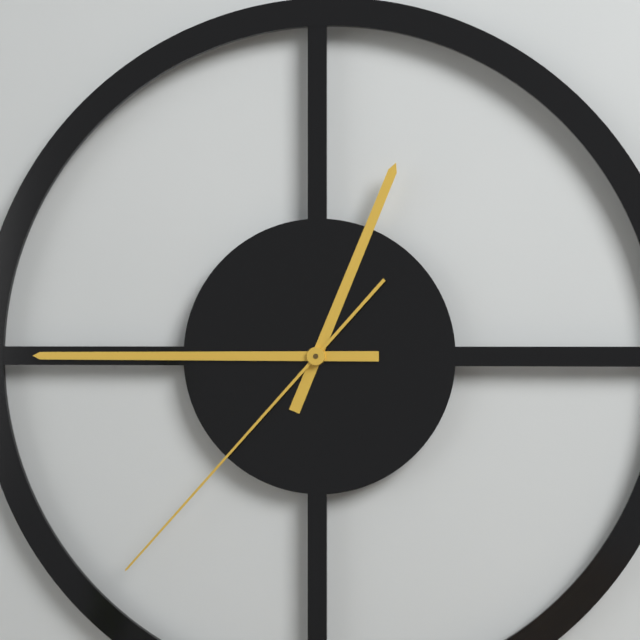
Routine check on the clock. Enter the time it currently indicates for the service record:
12:45:37
